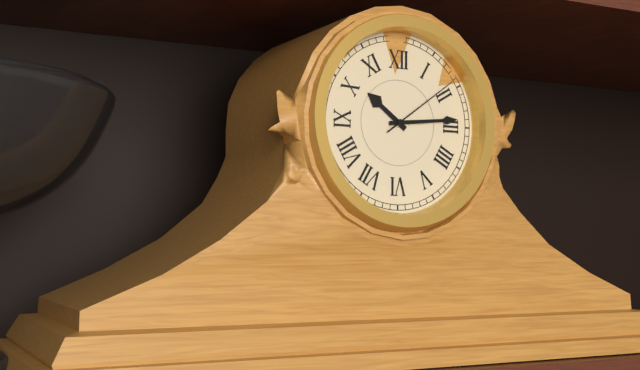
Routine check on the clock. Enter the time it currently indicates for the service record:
10:14:09
